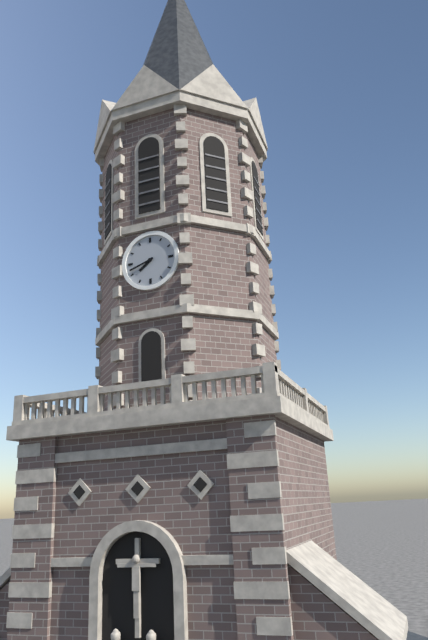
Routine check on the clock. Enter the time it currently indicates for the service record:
7:42
